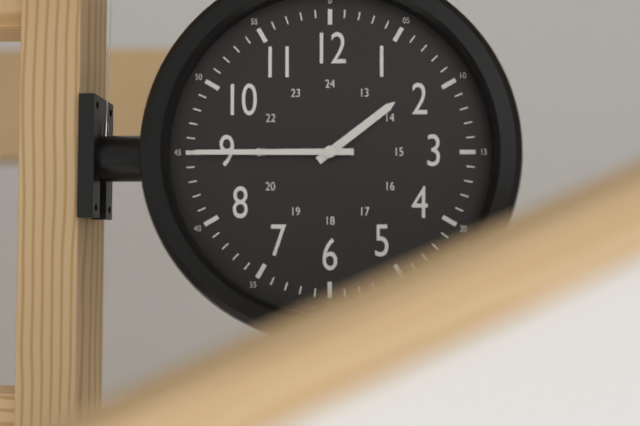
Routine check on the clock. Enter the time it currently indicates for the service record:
1:45
